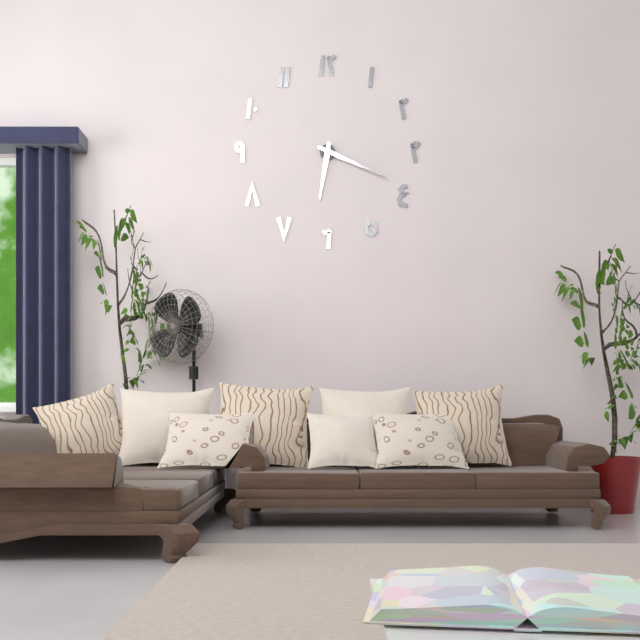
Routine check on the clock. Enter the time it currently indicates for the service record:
6:19
